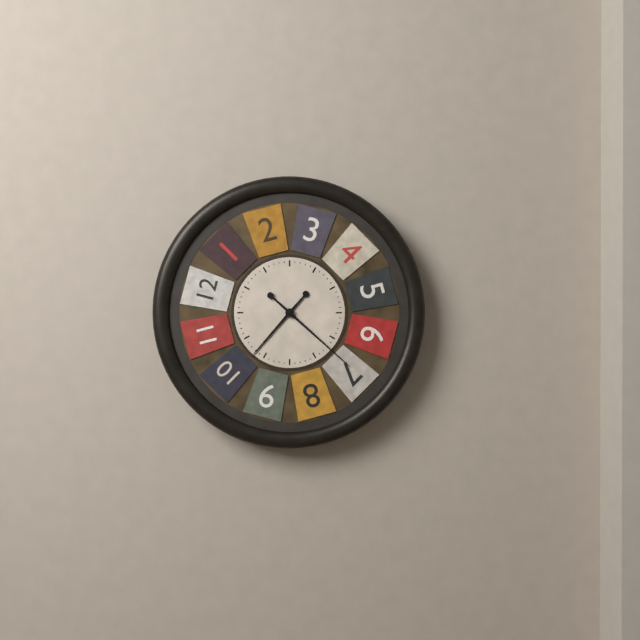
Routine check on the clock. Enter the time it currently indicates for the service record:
7:22
